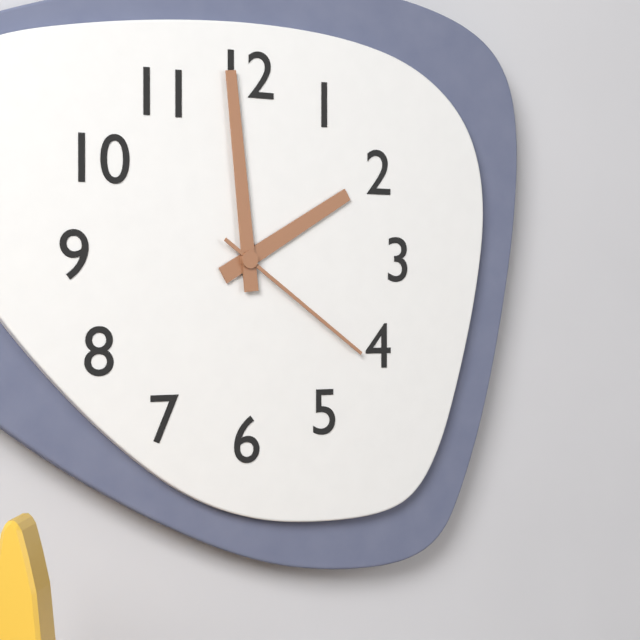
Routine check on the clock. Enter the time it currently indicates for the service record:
1:59:21
